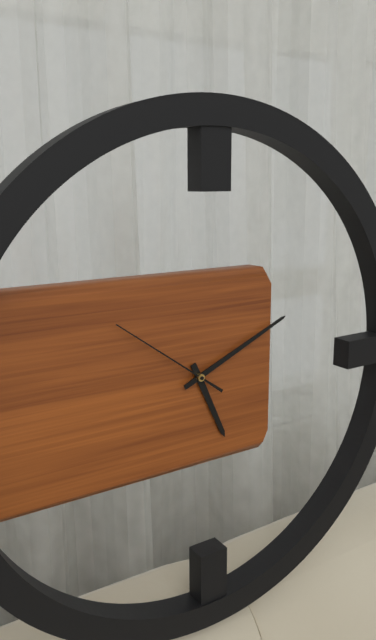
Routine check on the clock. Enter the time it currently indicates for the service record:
5:11:51
